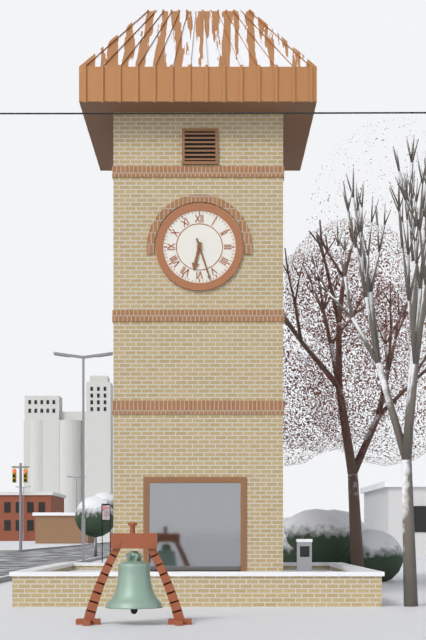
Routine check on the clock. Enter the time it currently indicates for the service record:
6:27
